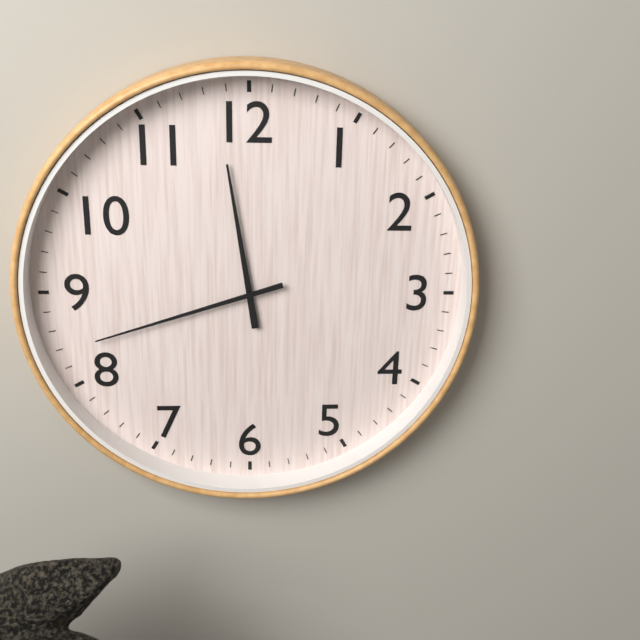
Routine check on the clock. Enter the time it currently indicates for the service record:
11:42
